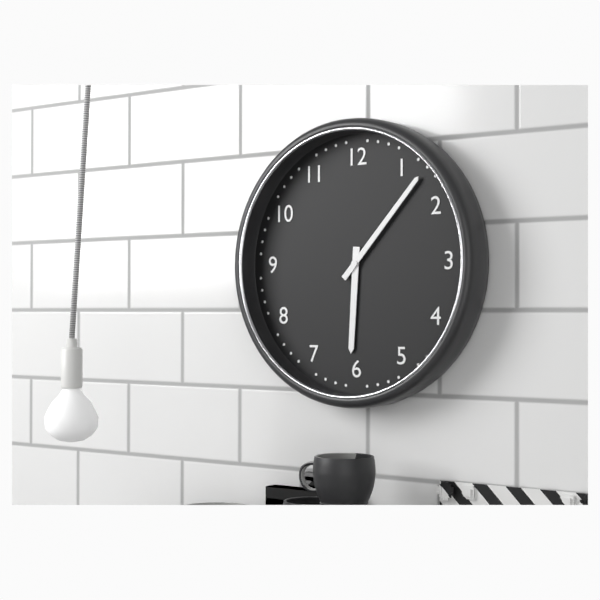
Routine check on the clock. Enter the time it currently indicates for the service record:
6:07
